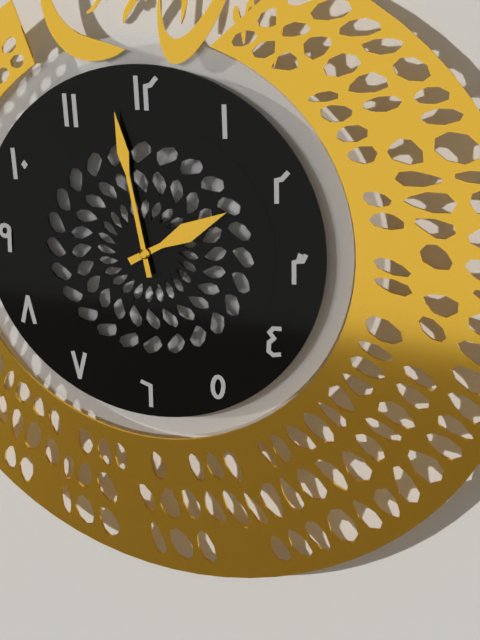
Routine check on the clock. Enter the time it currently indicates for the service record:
1:58
